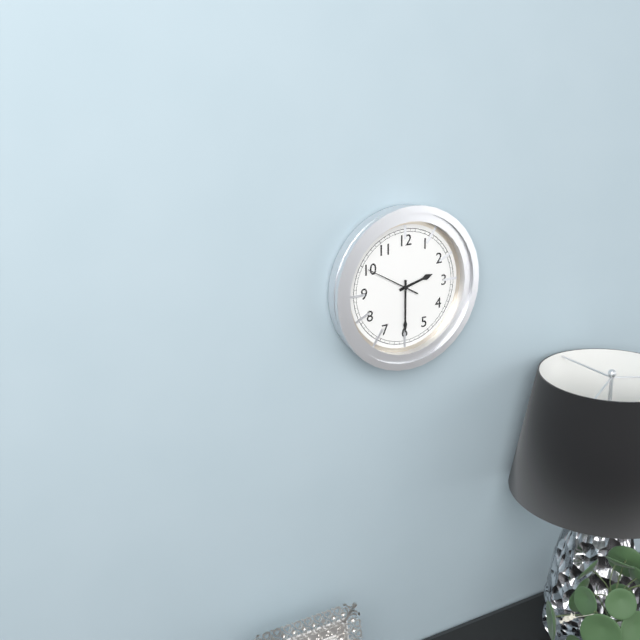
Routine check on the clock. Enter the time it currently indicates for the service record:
2:30
